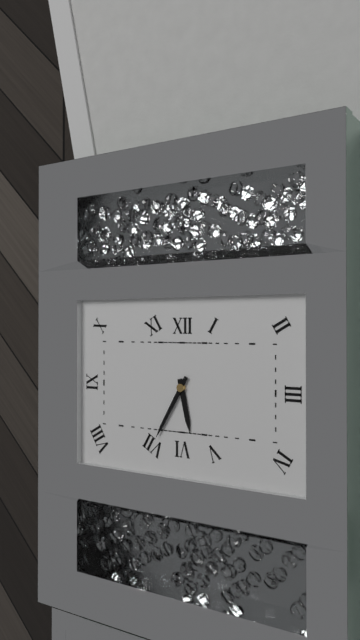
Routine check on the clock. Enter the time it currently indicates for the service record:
5:35
